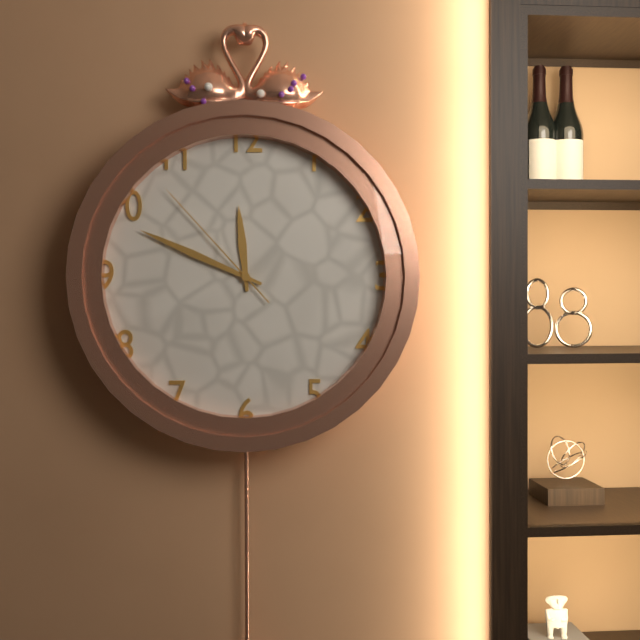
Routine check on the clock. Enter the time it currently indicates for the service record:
11:49:53
